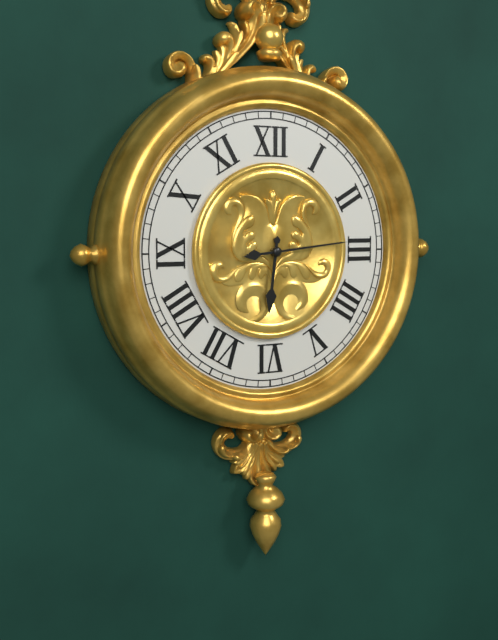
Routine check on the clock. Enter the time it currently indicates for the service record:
6:14
